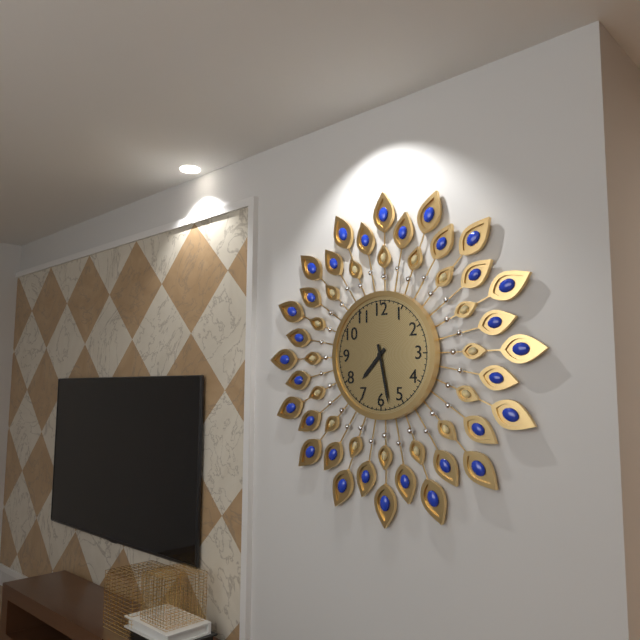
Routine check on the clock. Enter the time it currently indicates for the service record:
7:28
